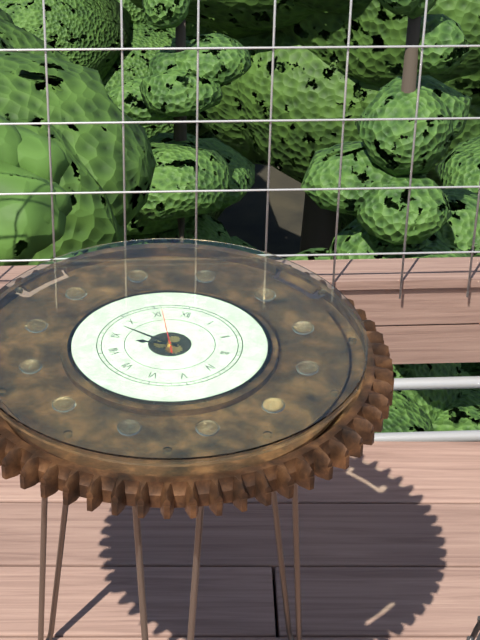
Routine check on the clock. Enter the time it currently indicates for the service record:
8:48
